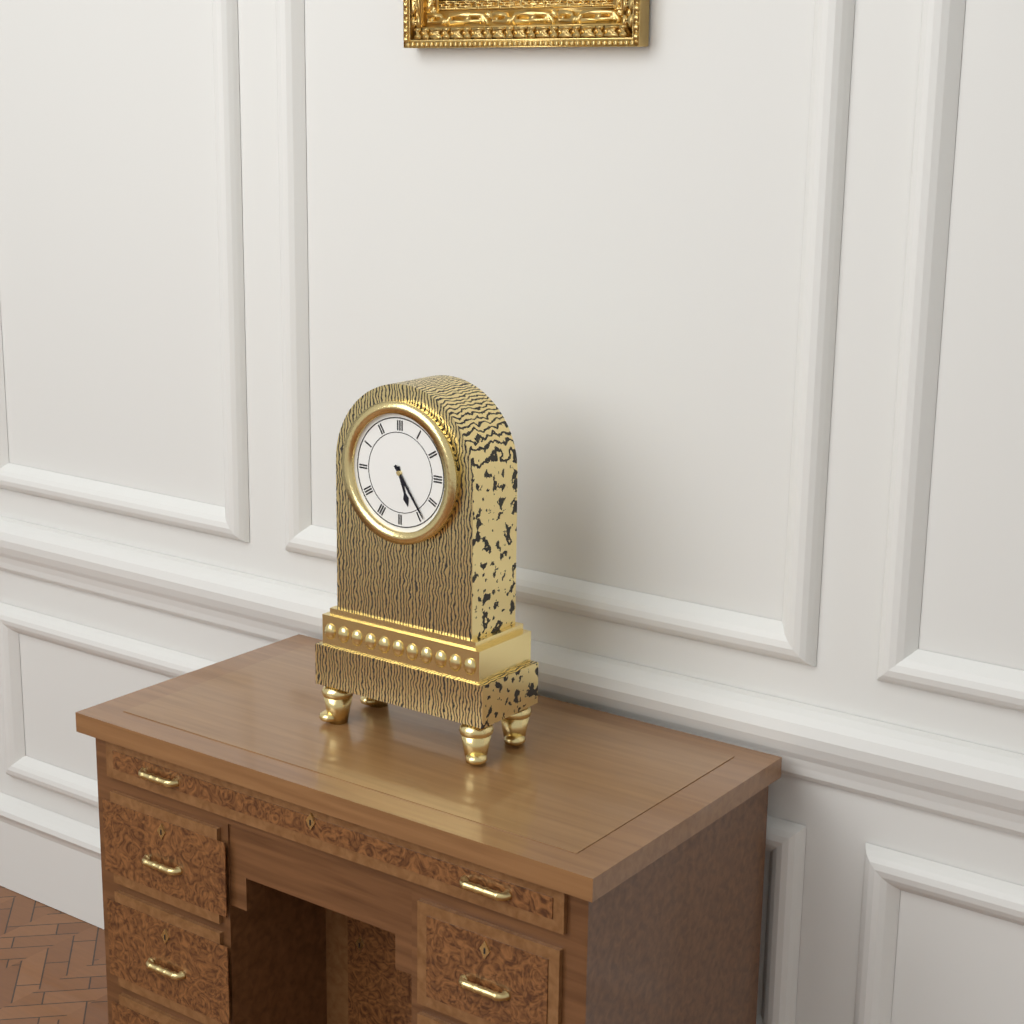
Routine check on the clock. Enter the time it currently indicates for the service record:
5:24
